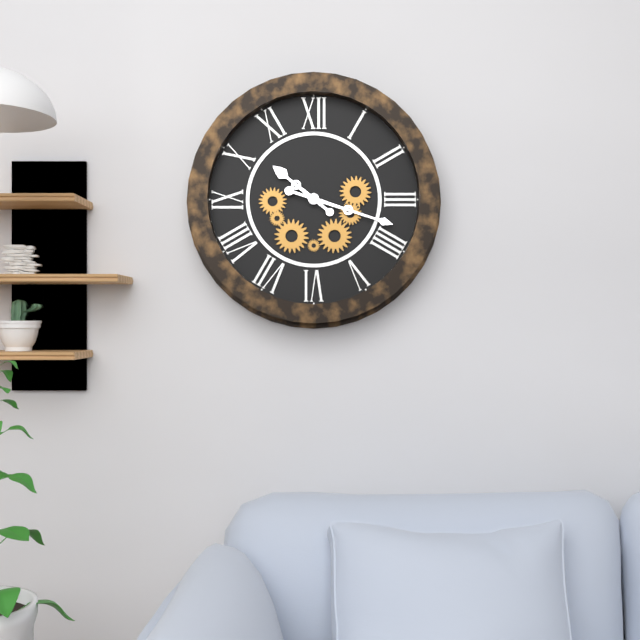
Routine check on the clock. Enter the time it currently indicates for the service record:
10:18
